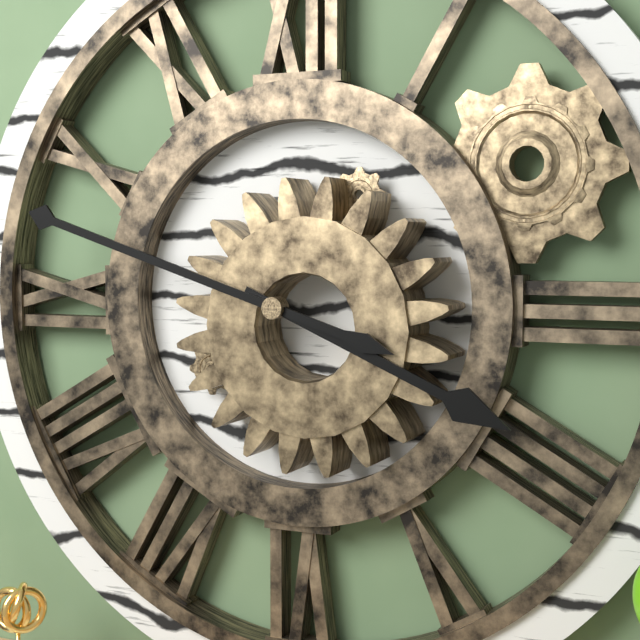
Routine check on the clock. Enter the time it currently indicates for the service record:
3:48
